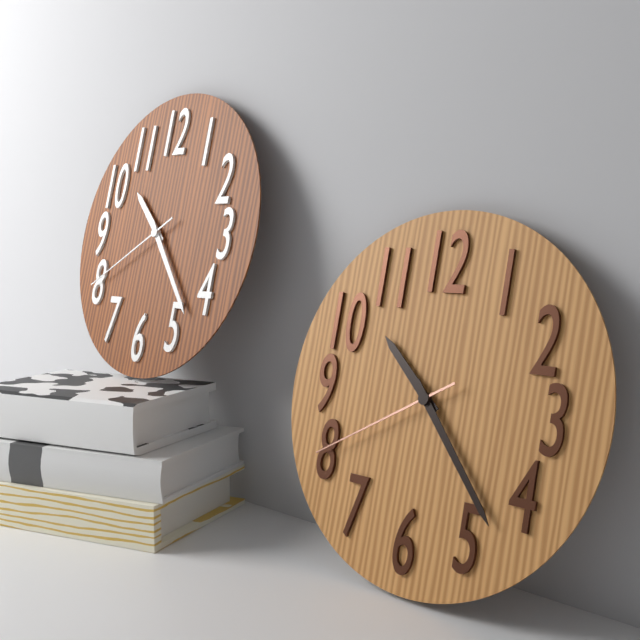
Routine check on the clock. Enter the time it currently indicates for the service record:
10:23:40
